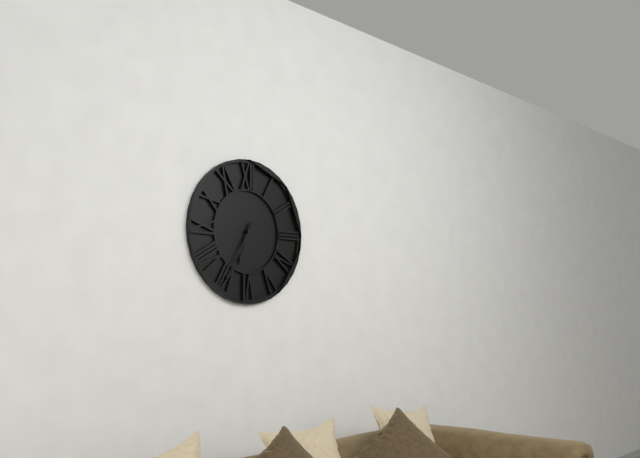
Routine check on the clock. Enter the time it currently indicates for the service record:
6:35
